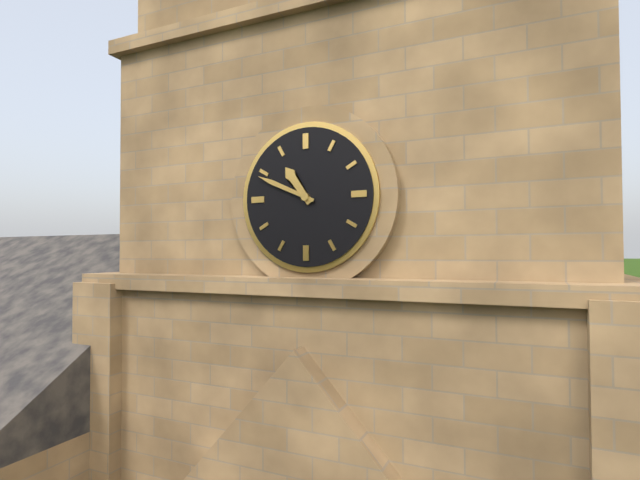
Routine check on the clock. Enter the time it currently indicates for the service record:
10:49
